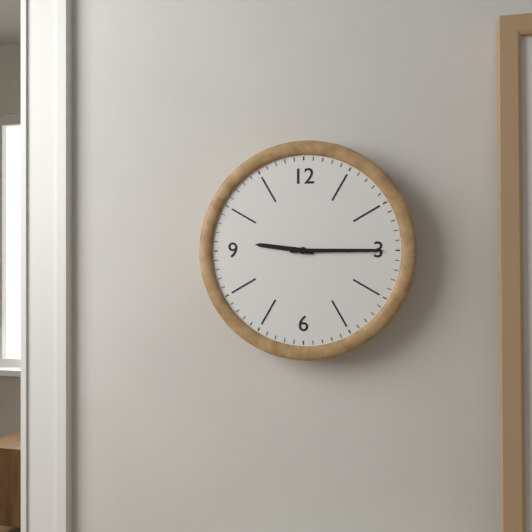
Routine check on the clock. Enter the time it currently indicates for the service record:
9:15
